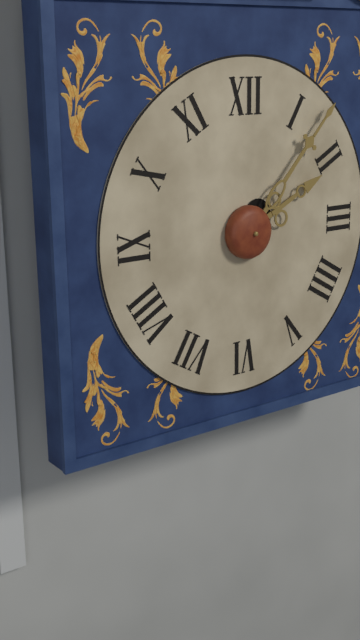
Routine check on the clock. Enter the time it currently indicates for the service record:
2:07
